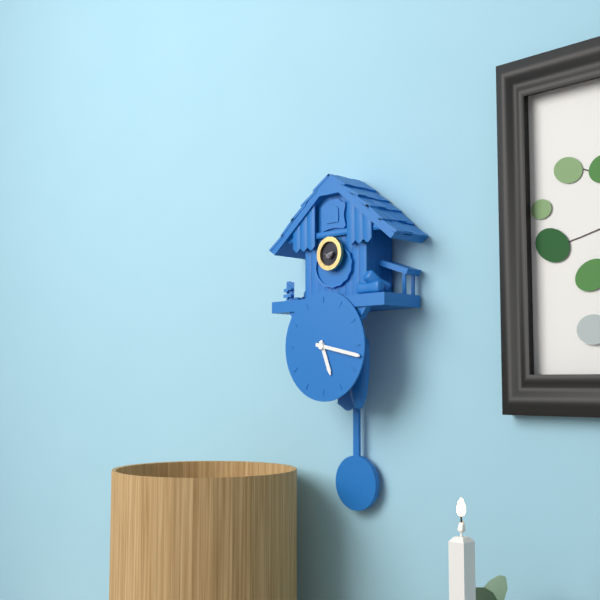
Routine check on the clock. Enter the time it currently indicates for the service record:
5:17
